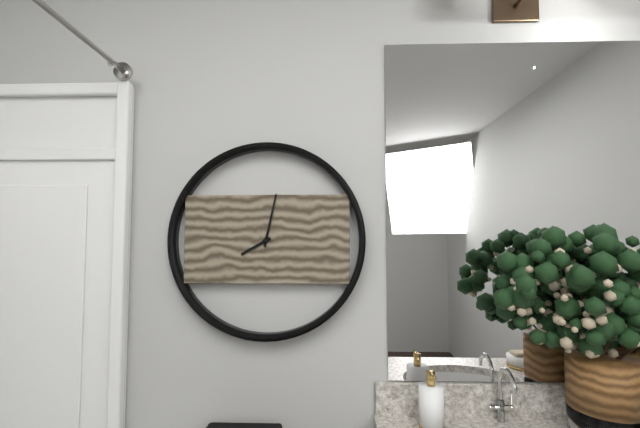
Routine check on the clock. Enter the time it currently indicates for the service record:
8:02
